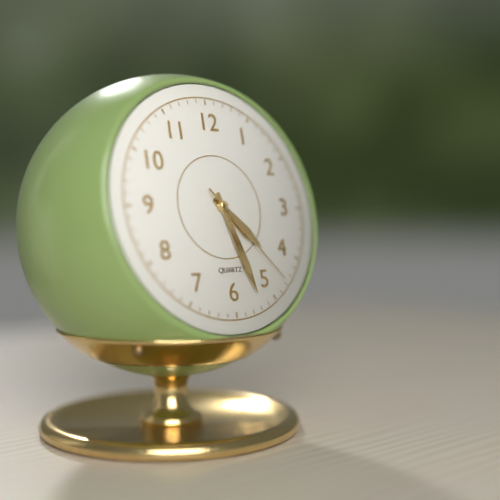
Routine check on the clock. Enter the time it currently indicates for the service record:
4:27:23
